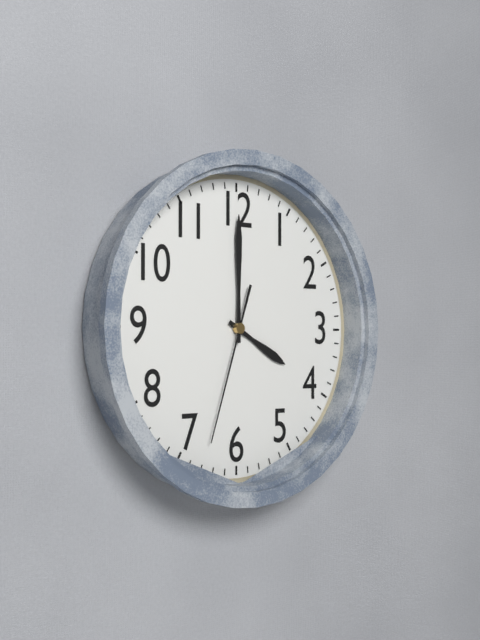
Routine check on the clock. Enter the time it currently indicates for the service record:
4:00:33
